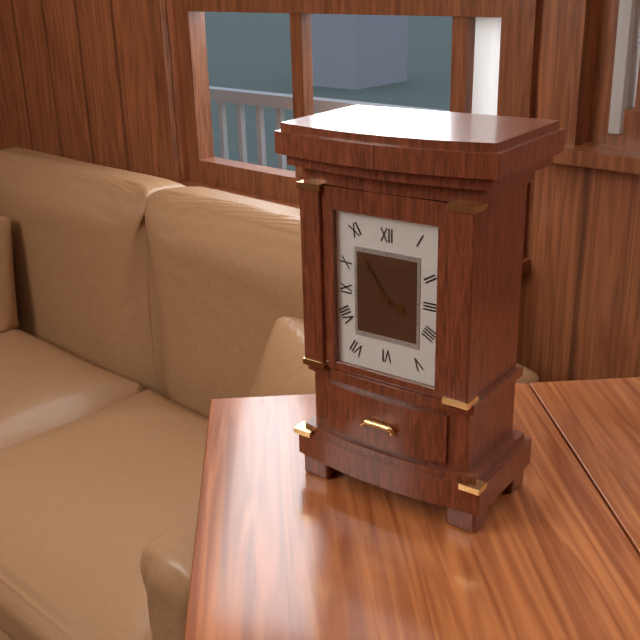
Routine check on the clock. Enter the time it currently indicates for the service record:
3:54
